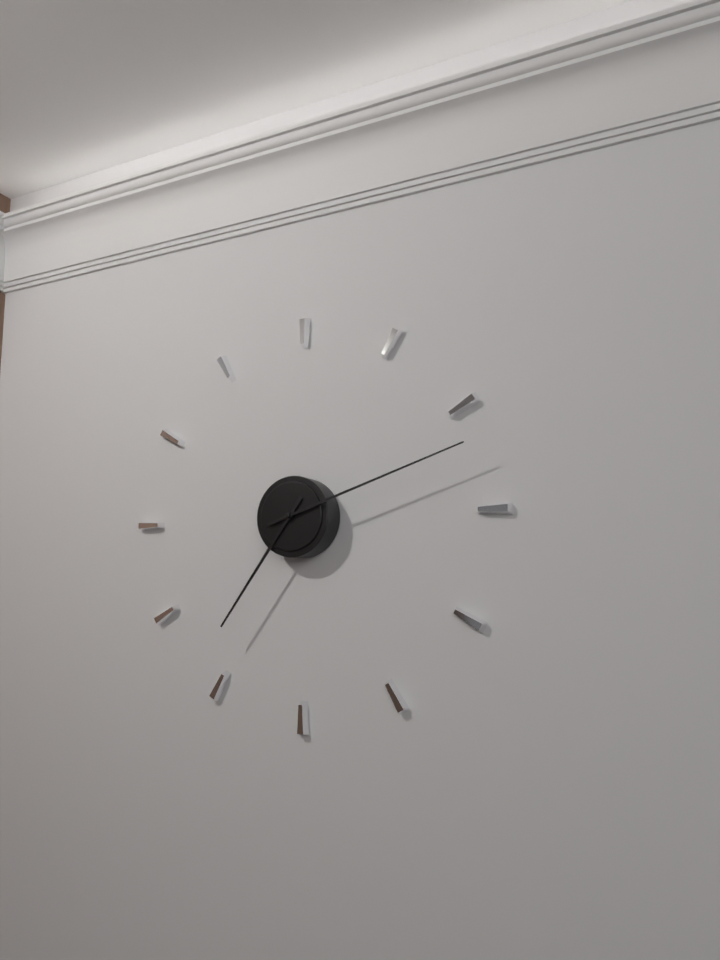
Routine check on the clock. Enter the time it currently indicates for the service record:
7:12
